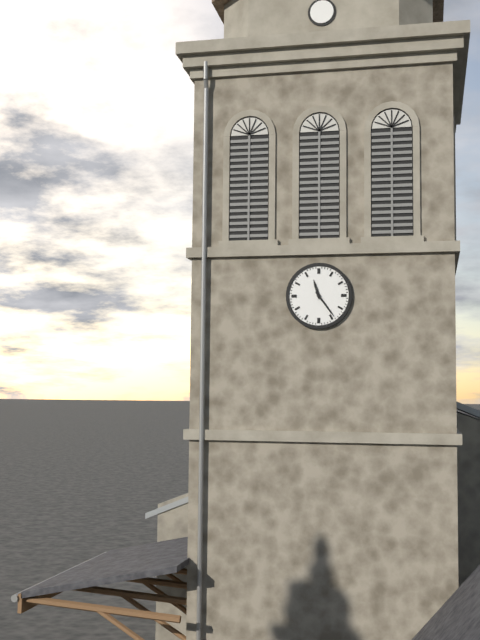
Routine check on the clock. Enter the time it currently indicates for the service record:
11:24
